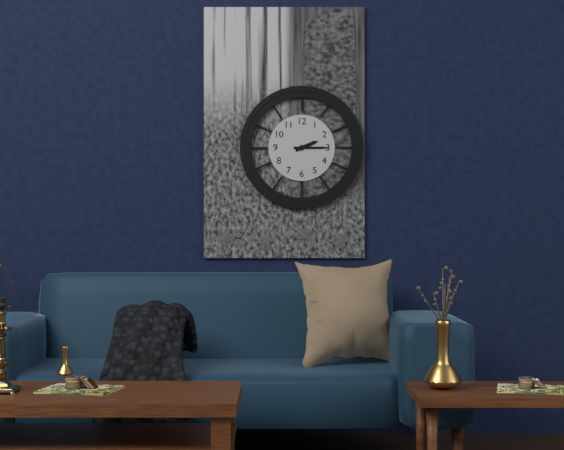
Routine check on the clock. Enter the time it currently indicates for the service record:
2:15
